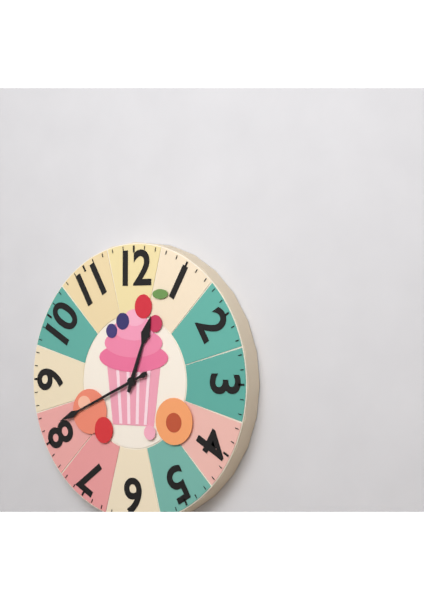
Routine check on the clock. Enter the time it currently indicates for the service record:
12:41
